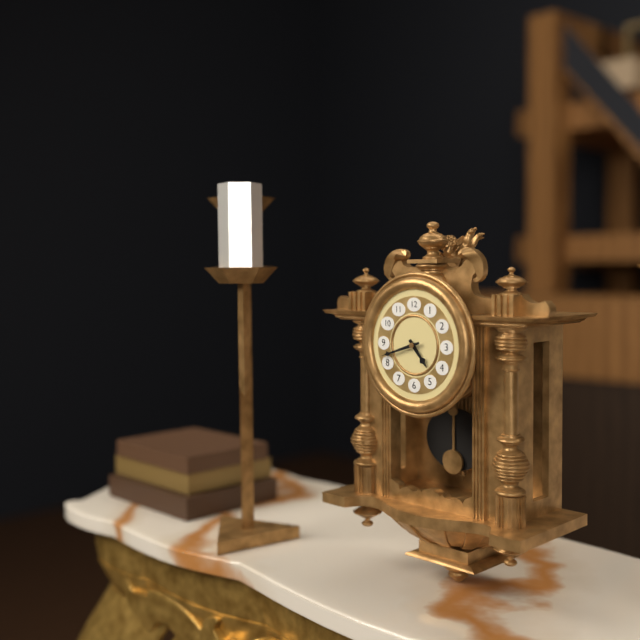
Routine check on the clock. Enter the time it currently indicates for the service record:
4:42
